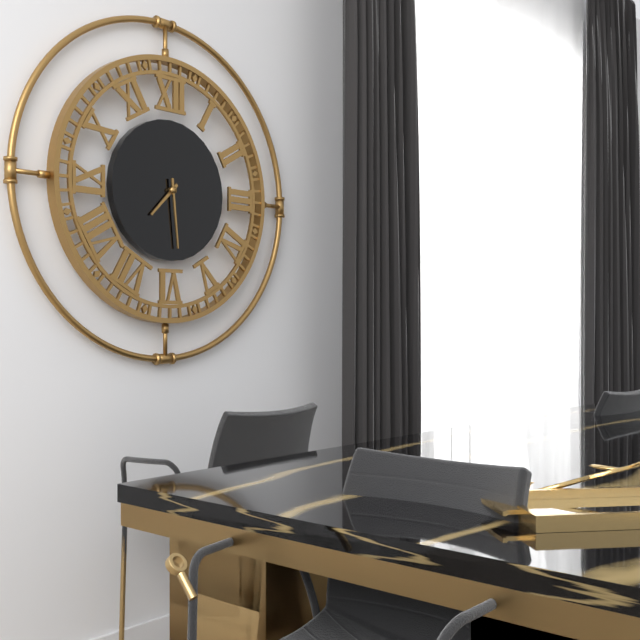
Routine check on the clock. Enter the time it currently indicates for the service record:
7:29
